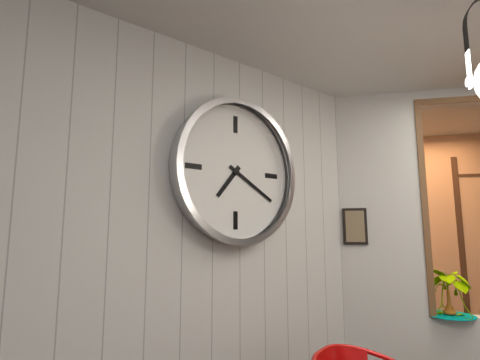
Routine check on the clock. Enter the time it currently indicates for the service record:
7:20
